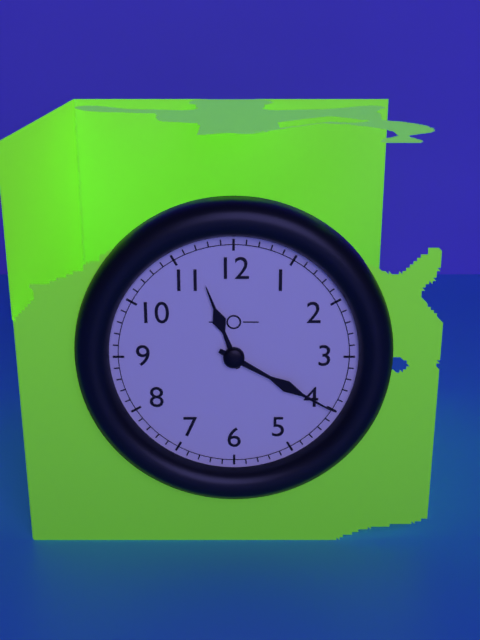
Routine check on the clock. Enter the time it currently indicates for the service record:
11:20
